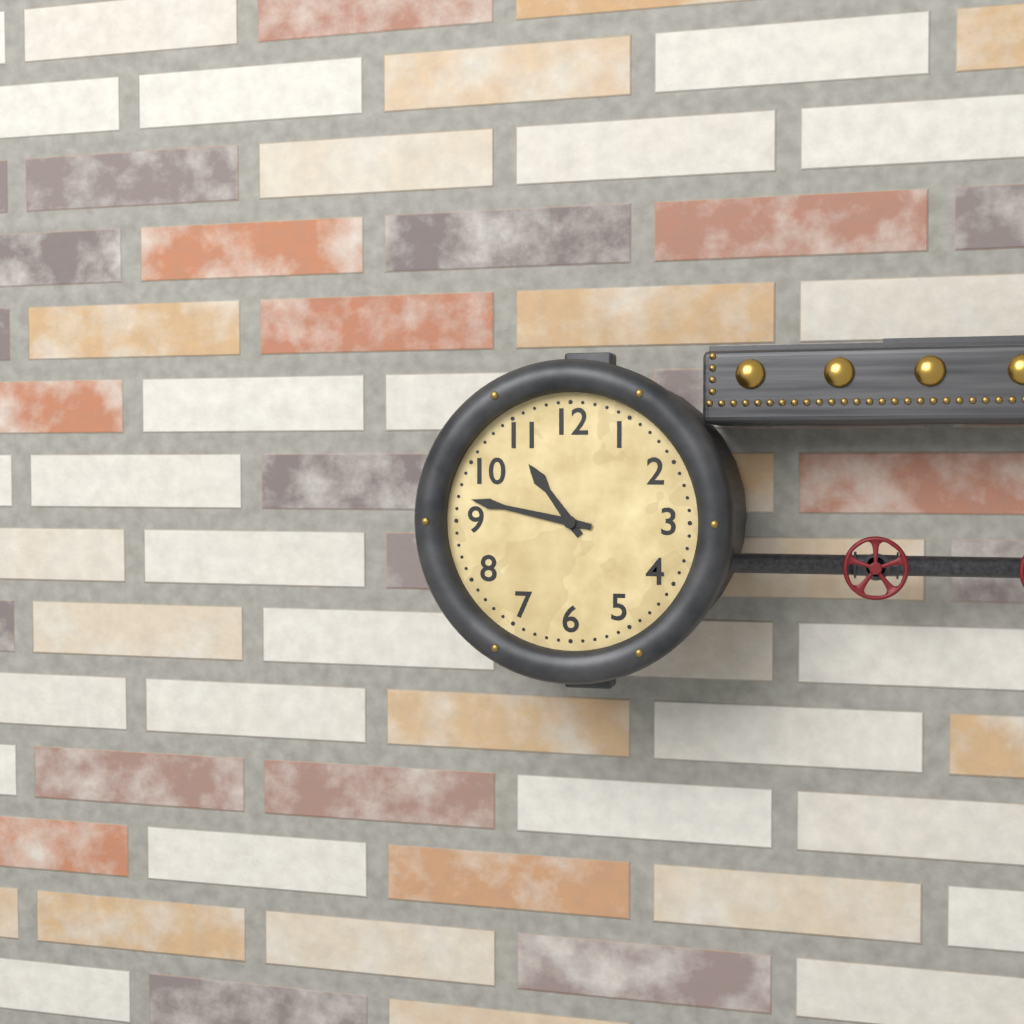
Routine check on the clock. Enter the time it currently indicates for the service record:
10:47
